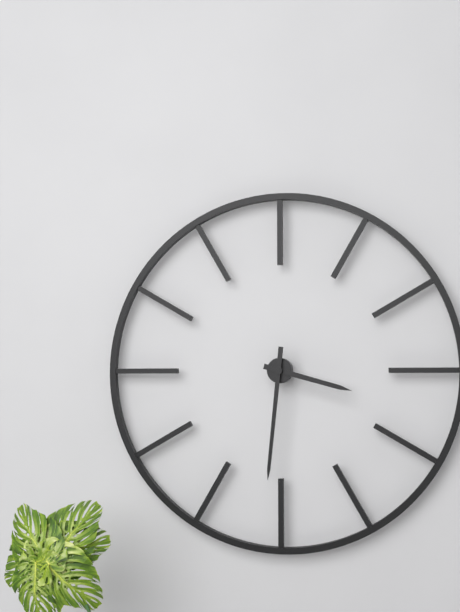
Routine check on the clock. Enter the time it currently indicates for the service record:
3:31
